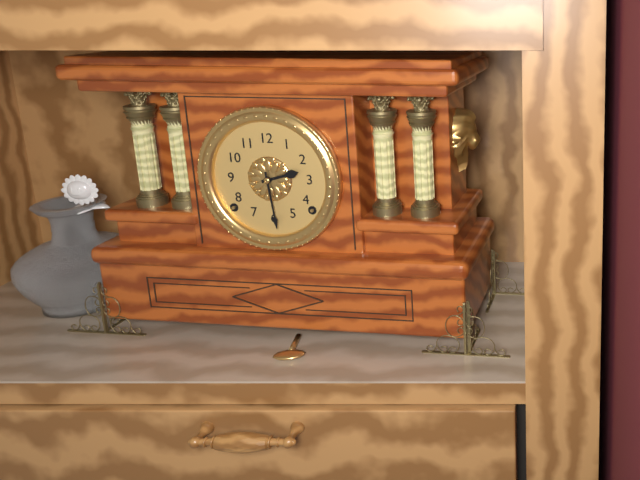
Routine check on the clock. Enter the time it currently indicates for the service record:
2:29
